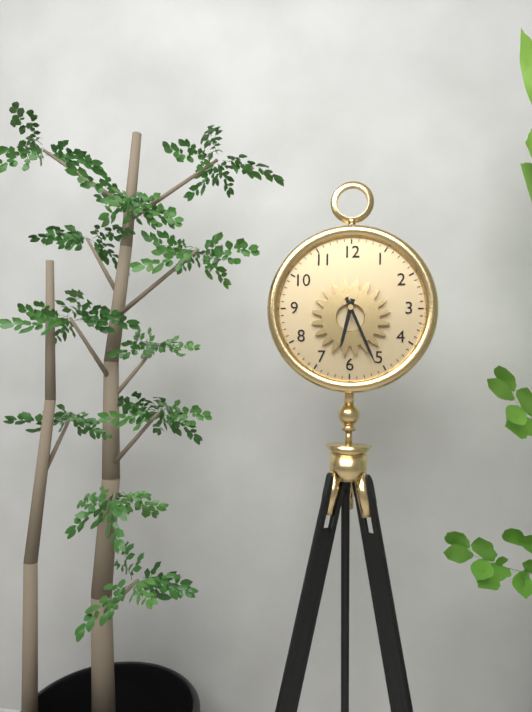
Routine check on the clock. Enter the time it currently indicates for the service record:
6:26
